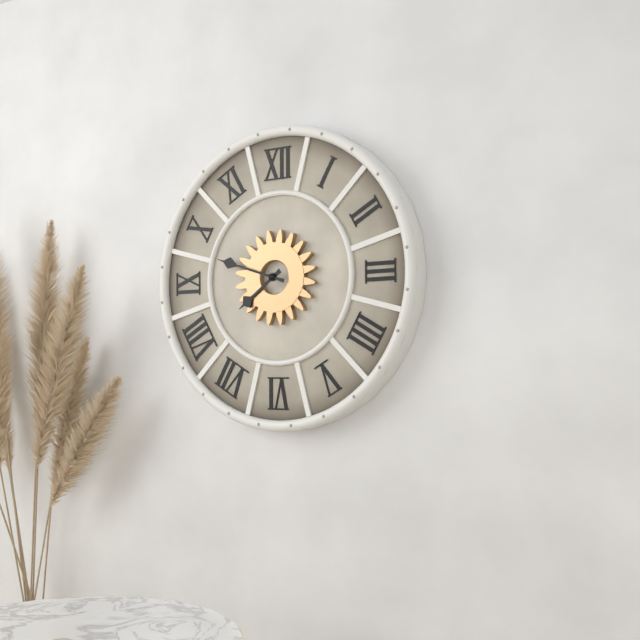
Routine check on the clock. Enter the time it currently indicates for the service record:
7:48
